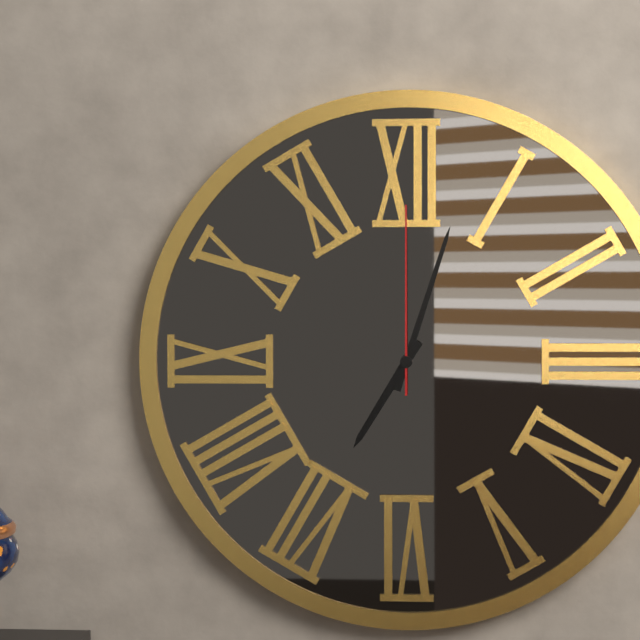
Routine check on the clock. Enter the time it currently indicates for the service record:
7:03:00
